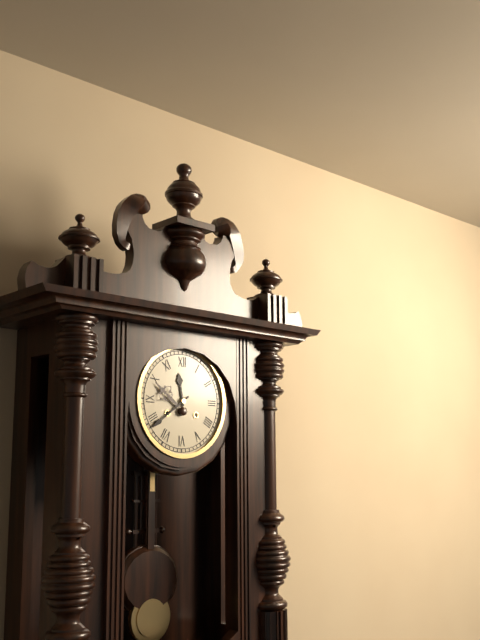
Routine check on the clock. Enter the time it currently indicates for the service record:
11:39
